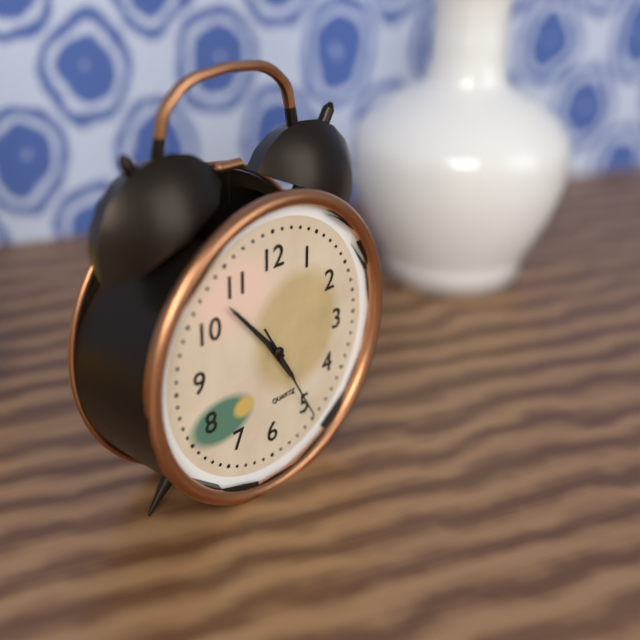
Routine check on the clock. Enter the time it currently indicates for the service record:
4:53:25
